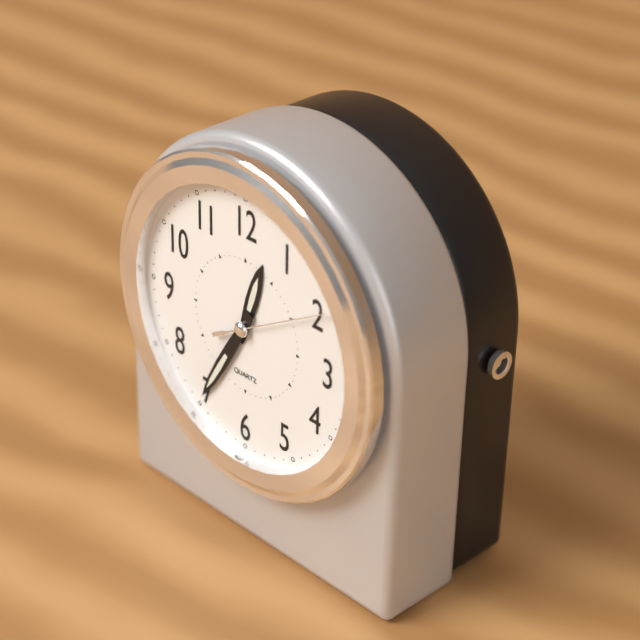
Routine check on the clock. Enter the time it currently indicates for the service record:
12:35:10
